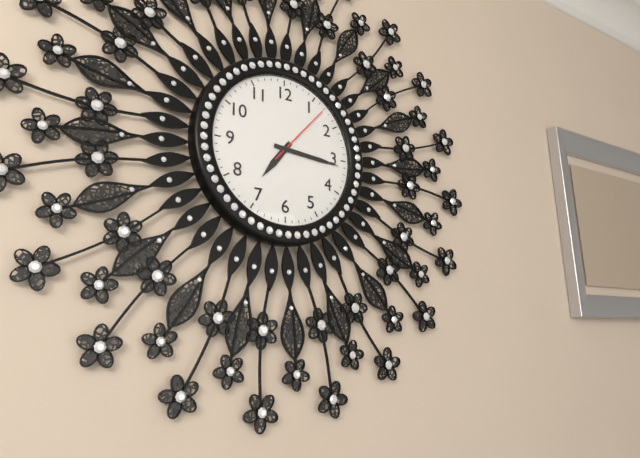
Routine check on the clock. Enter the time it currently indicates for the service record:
7:16:07
